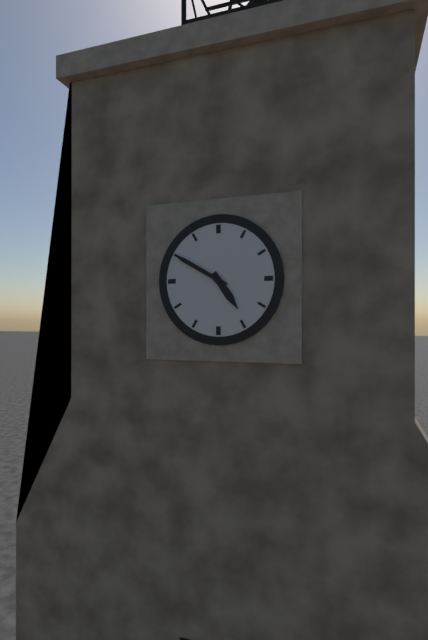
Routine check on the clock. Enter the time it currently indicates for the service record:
4:50
